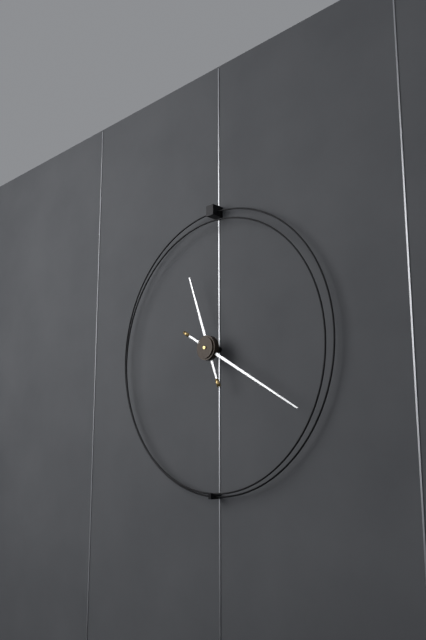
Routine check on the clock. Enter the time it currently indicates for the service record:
11:20
